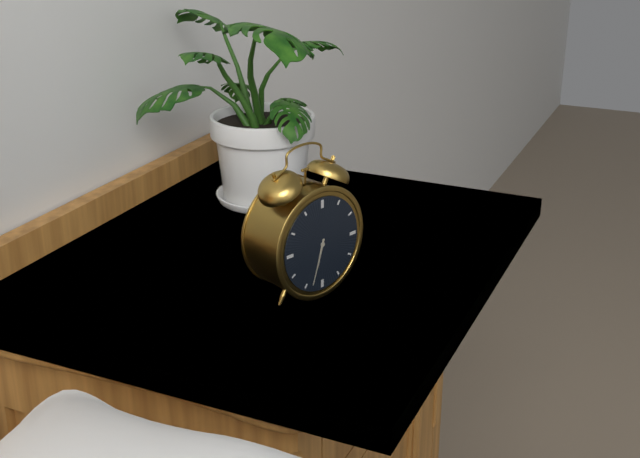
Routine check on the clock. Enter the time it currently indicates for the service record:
6:33
